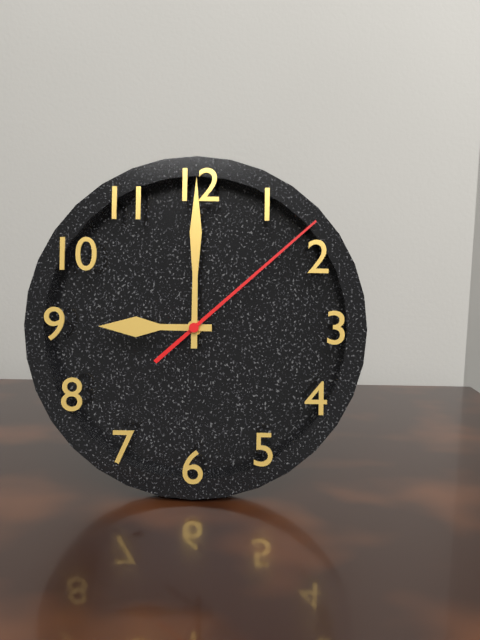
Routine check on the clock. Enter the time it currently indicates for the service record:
9:00:08
